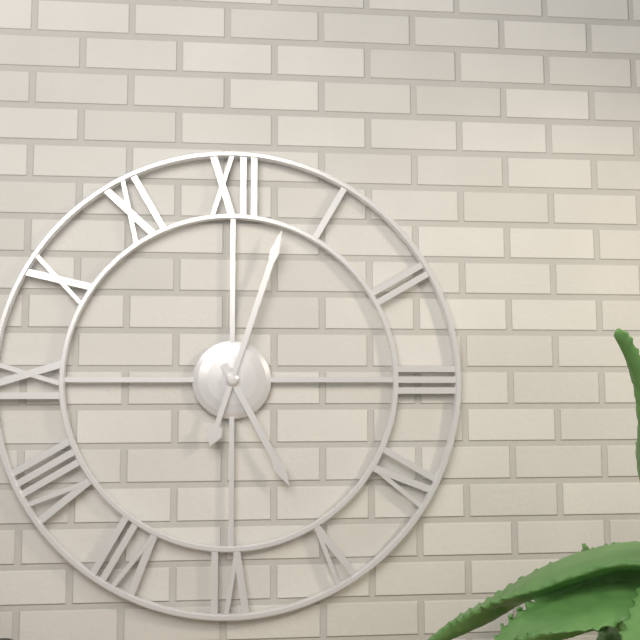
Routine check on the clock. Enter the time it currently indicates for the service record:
5:03
